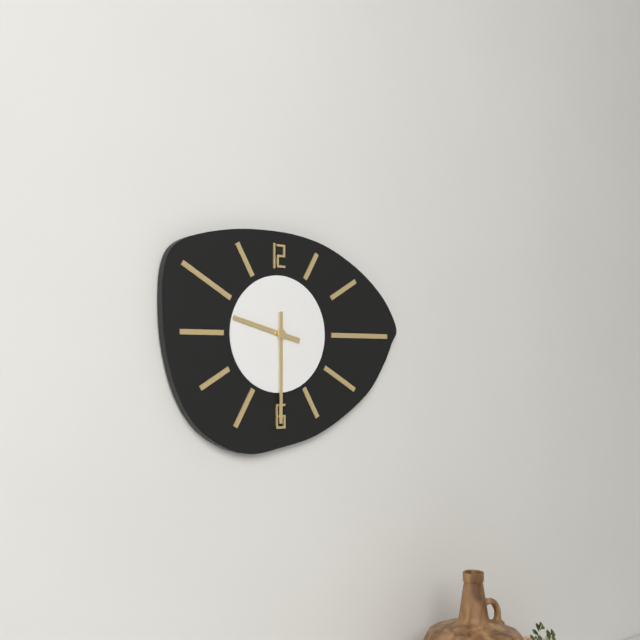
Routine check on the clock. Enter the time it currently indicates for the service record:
9:30
